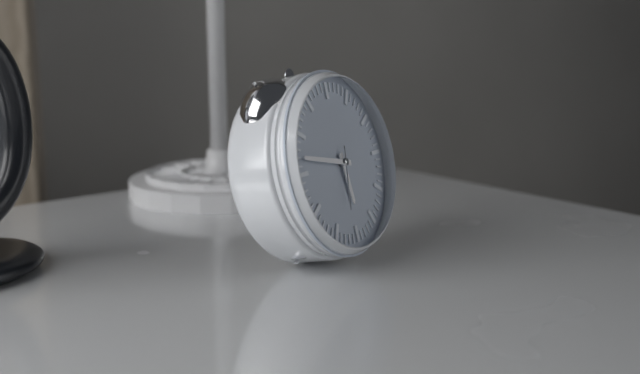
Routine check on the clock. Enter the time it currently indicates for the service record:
5:47:32
